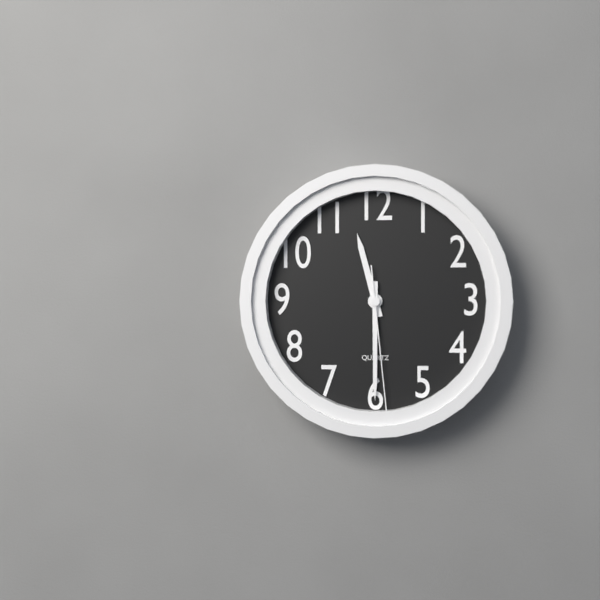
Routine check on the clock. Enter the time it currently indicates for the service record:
11:30:29
